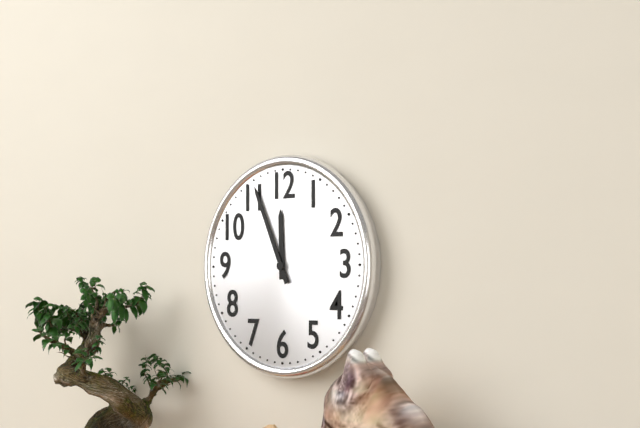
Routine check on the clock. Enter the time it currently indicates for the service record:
11:56
